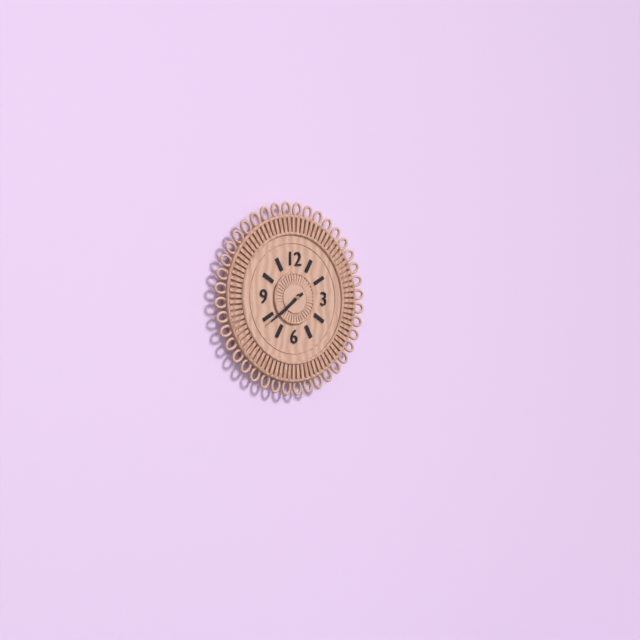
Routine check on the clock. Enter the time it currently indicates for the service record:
7:39
